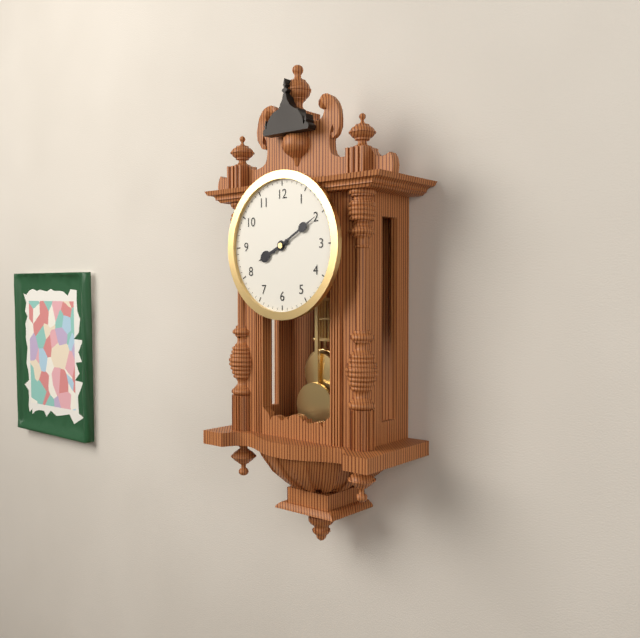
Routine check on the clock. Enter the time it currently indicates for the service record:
8:10
